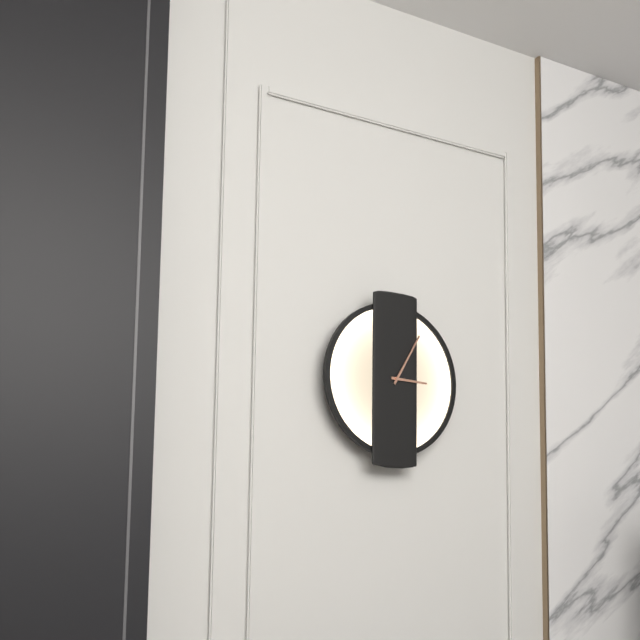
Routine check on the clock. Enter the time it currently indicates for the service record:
3:05
